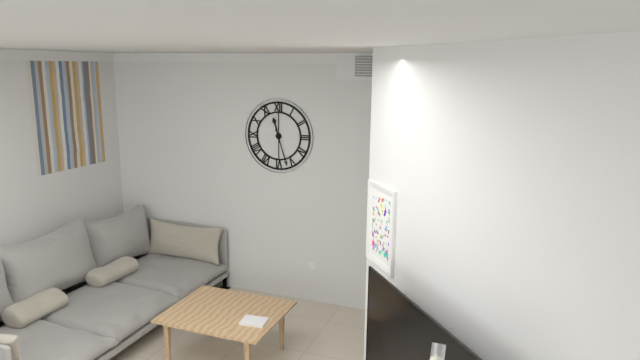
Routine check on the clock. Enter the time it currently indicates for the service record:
11:27
